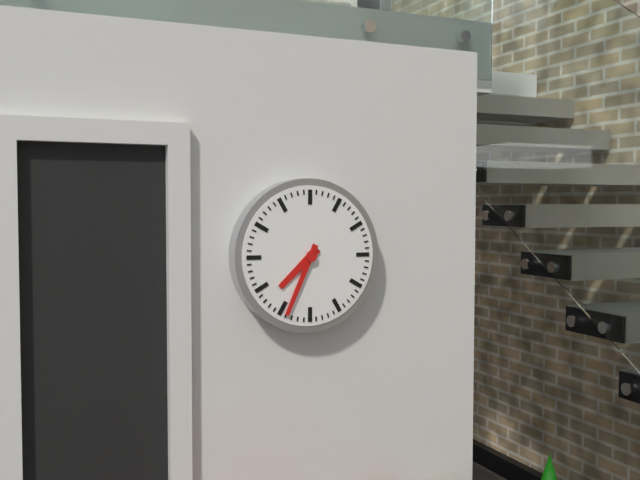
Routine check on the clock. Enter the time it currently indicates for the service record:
7:34
